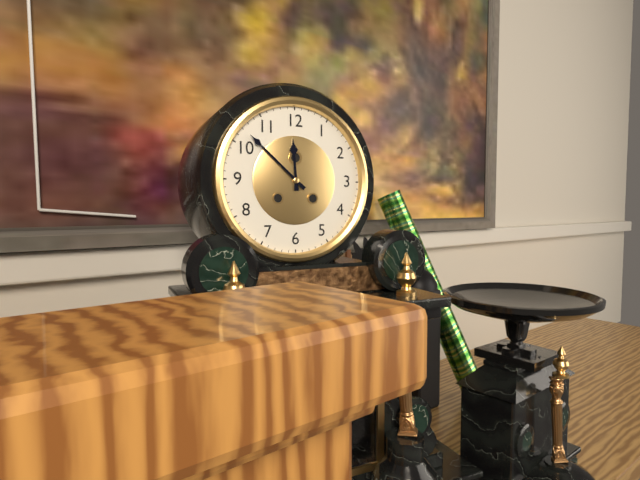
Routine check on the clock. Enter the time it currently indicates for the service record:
11:52
